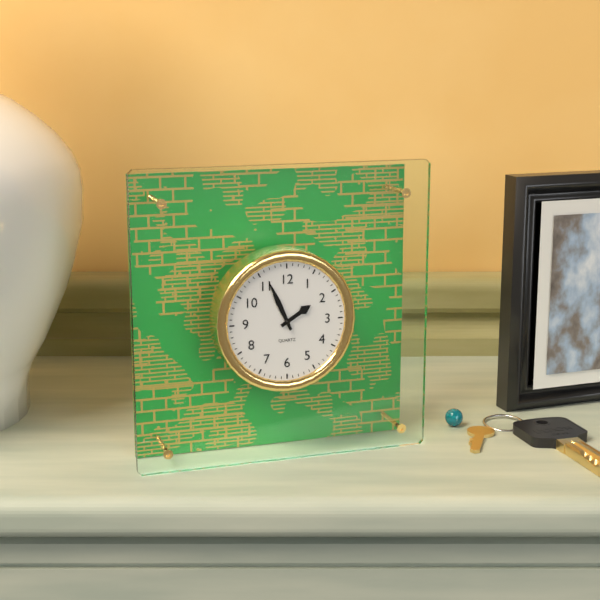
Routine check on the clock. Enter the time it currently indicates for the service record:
1:56
